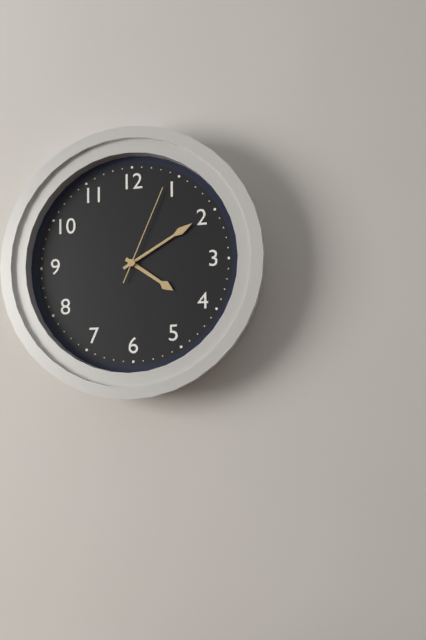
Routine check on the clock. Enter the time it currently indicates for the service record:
4:10:04
